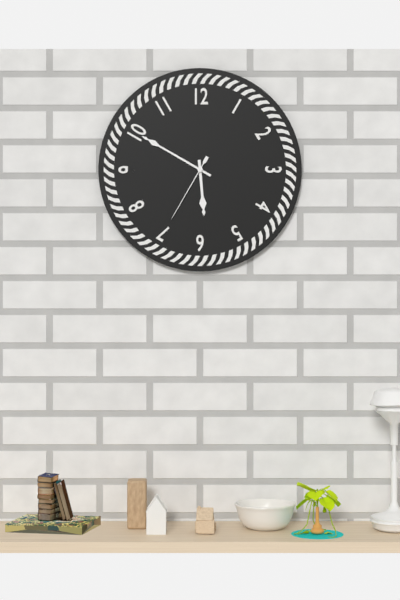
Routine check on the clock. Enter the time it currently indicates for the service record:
5:50:35
